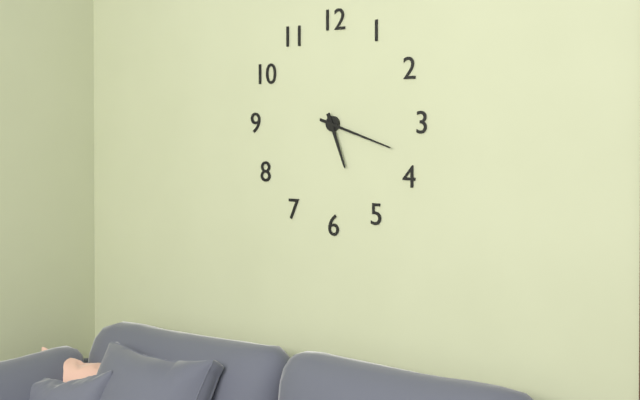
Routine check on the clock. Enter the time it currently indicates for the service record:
5:18
